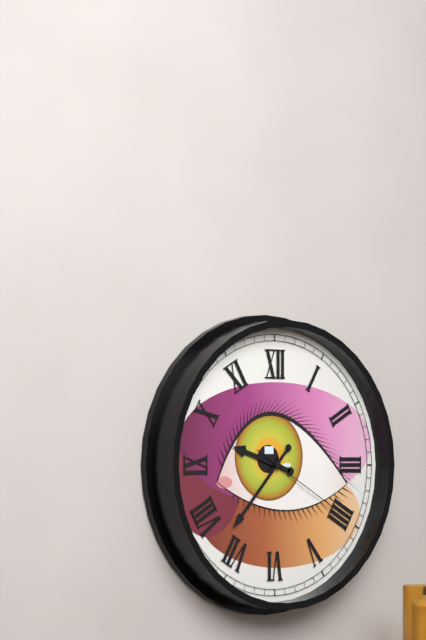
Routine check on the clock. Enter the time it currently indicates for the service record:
9:37:20
